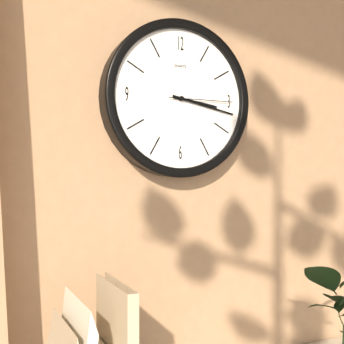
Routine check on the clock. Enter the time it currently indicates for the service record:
3:17:15
